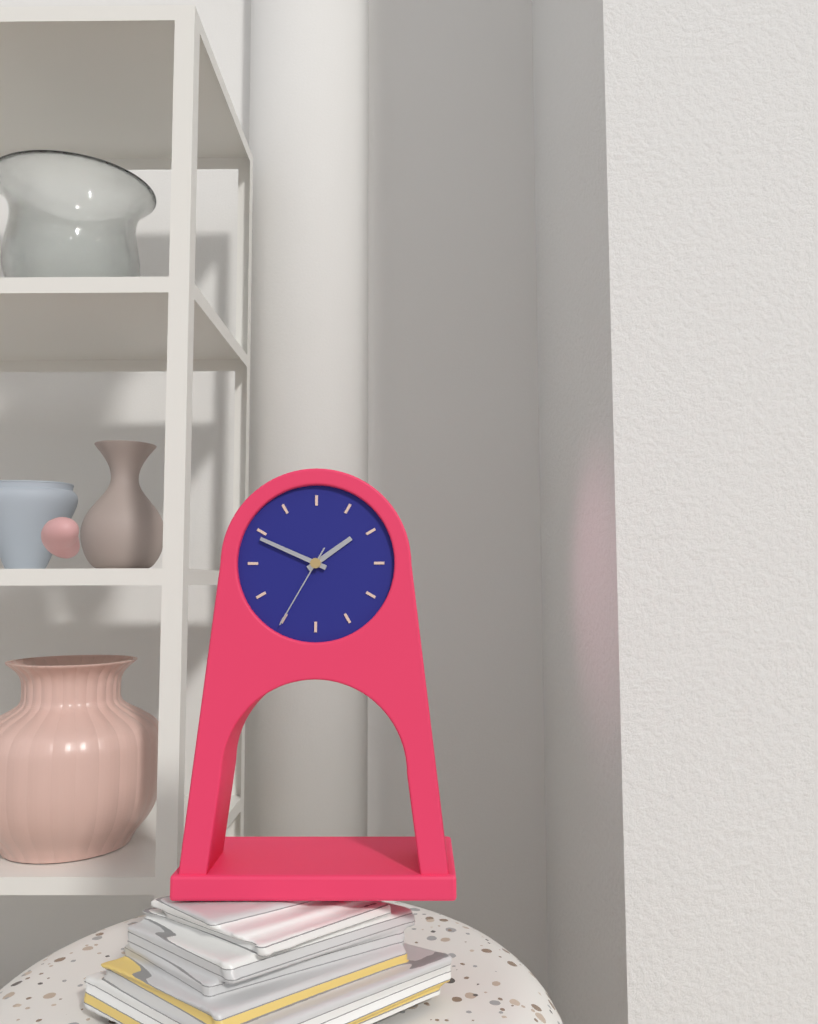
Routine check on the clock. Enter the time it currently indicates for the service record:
1:49:35
